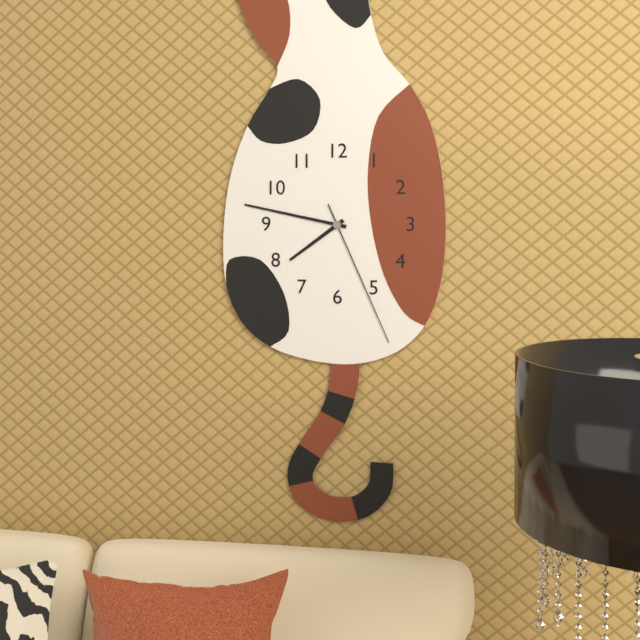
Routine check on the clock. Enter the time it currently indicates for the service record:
7:47:26
